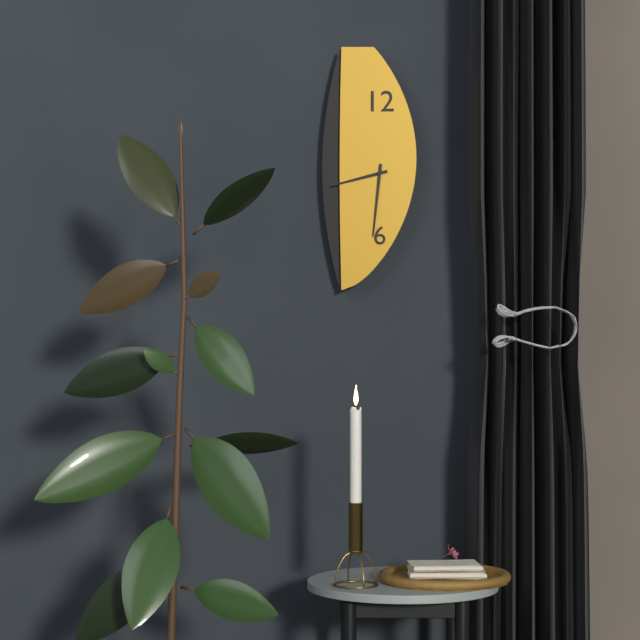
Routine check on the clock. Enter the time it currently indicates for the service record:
8:31
